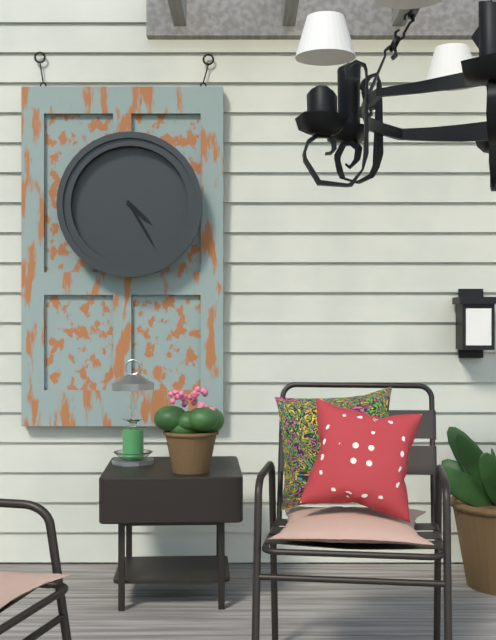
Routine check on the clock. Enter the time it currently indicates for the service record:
4:25
